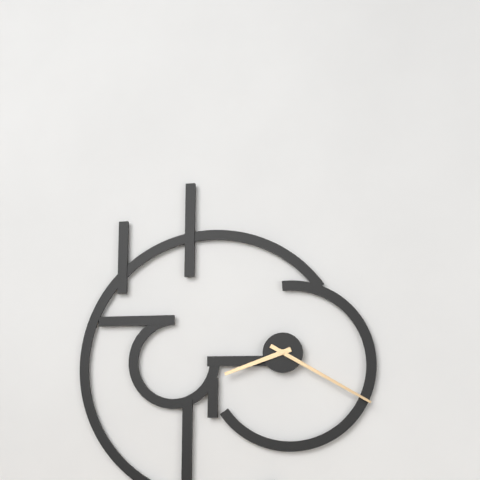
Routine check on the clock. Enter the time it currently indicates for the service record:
8:20
